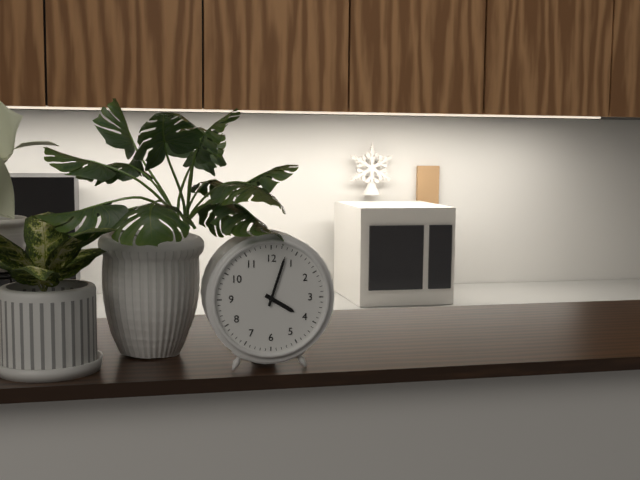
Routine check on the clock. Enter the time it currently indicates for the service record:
4:03
